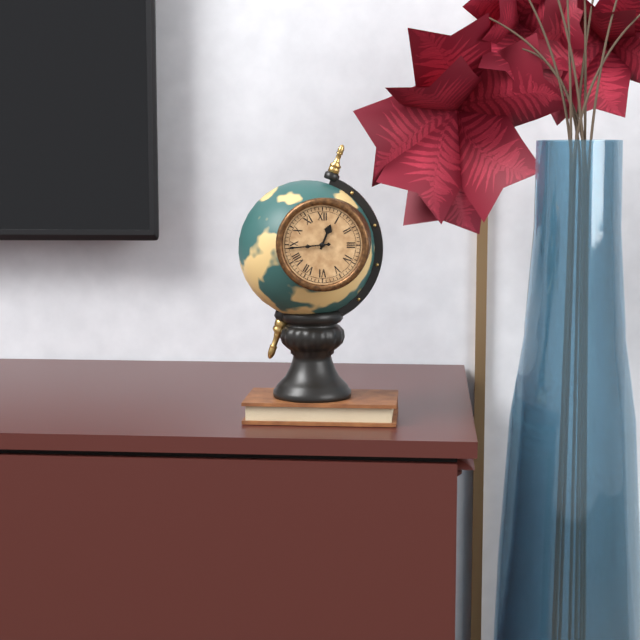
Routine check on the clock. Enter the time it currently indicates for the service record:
12:44
